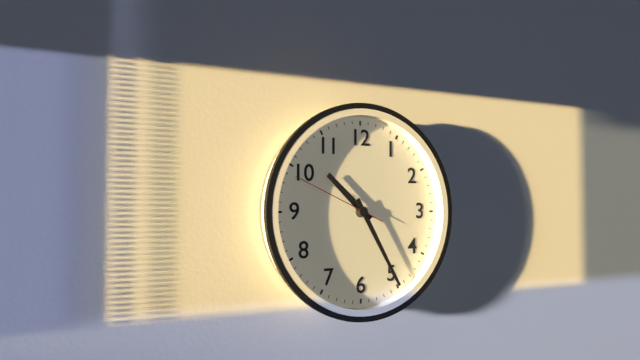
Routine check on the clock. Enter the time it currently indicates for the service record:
10:25:49
